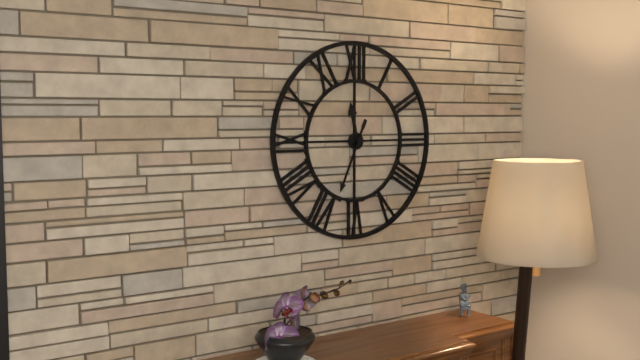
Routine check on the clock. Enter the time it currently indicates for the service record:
11:34
